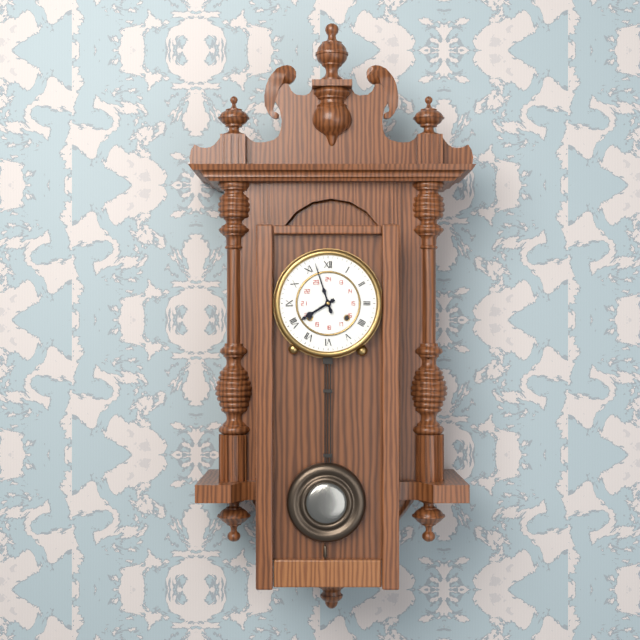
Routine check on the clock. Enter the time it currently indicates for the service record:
7:57
